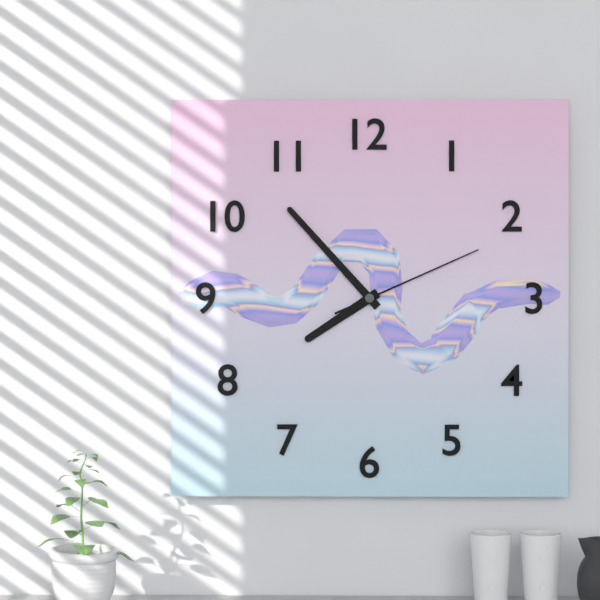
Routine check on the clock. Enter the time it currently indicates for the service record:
7:53:11
